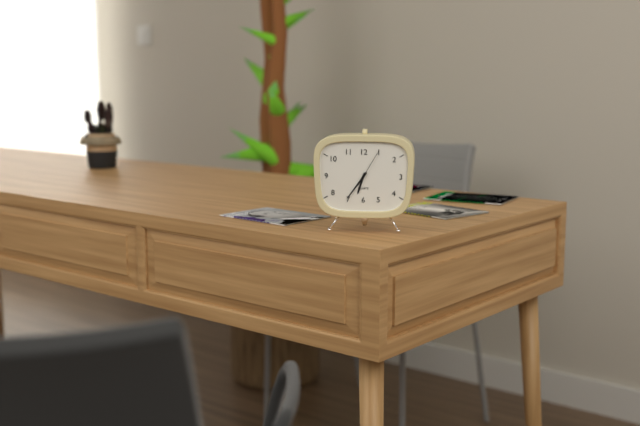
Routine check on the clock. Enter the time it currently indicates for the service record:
6:36
